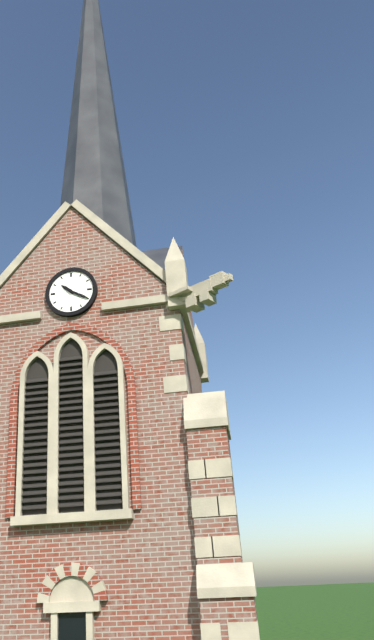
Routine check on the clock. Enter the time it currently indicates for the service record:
10:20
